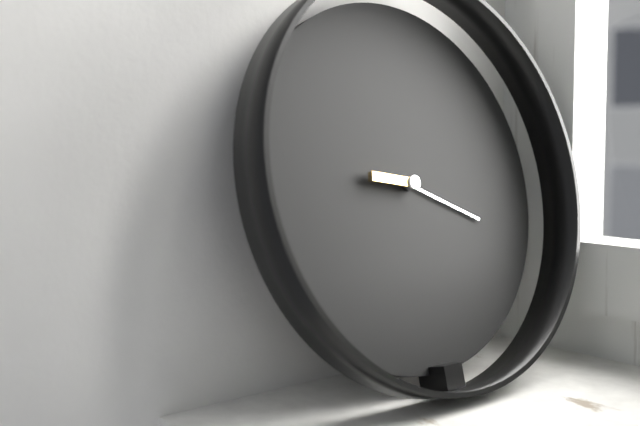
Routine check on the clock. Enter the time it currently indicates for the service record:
9:19
